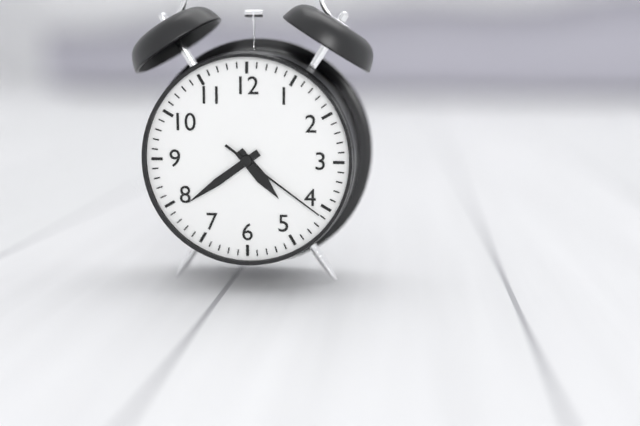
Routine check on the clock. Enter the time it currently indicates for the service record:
4:39:21
